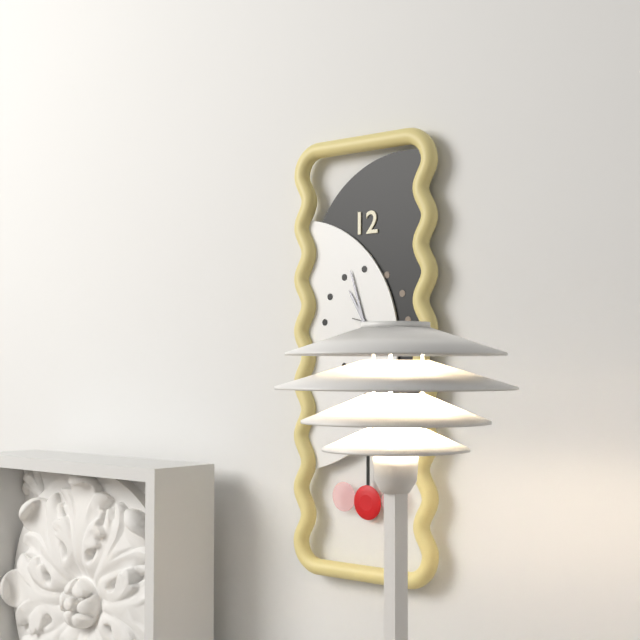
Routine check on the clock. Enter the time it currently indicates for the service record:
10:57
